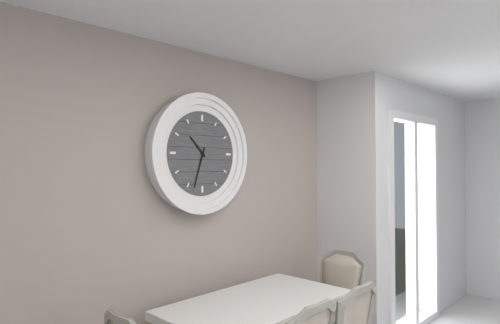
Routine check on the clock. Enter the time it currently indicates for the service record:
10:33
